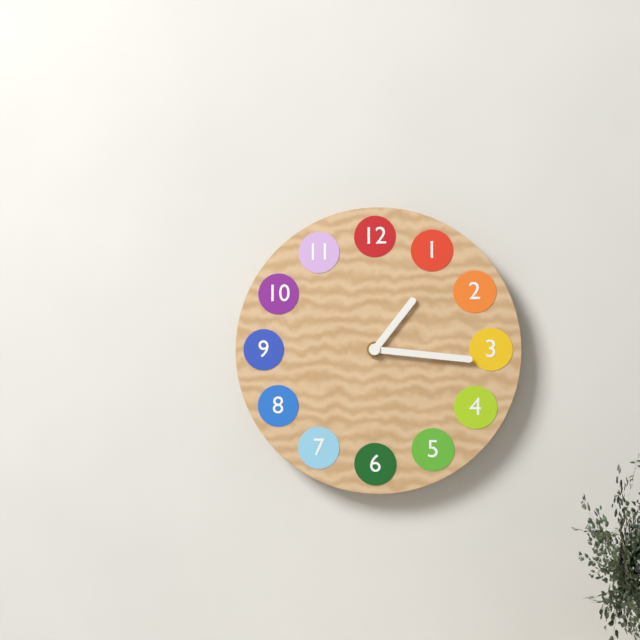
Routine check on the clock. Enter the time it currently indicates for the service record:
1:16
